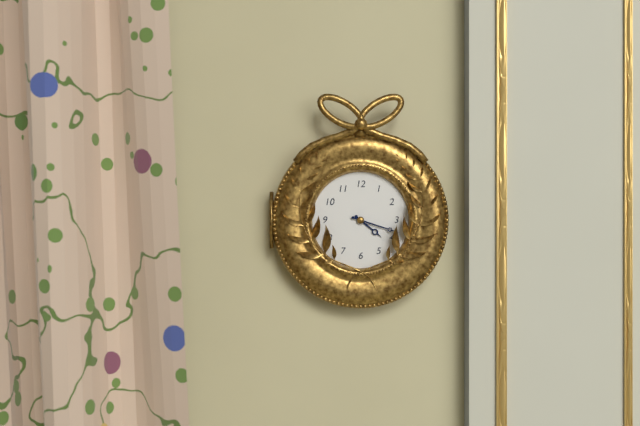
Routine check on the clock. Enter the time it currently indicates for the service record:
4:18
